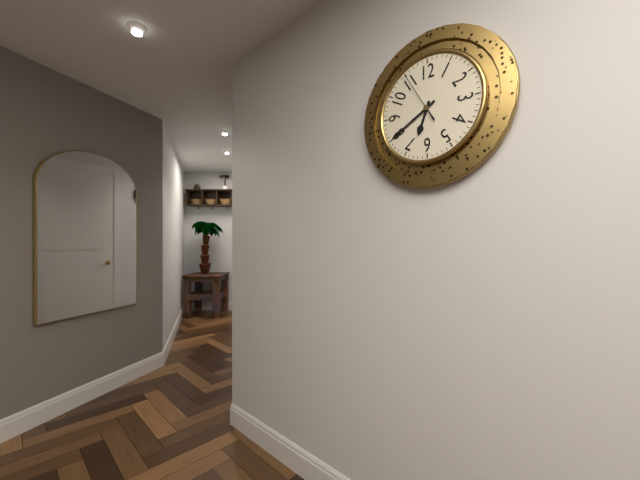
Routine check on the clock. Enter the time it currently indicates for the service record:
6:40:55
